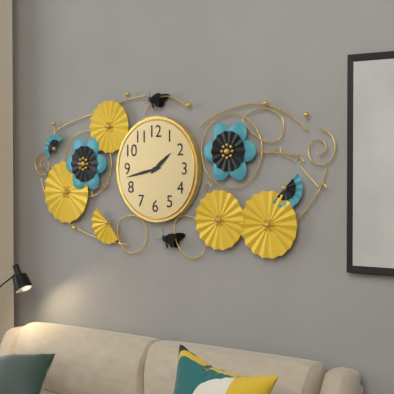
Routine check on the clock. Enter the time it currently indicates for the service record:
1:43
